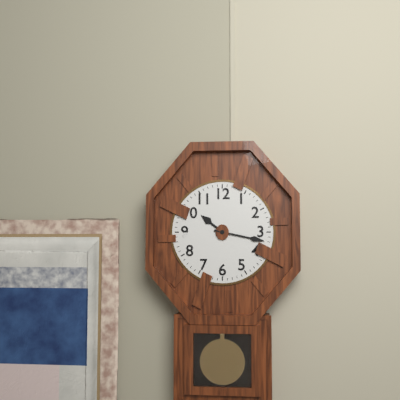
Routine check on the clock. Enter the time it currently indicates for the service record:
10:17
